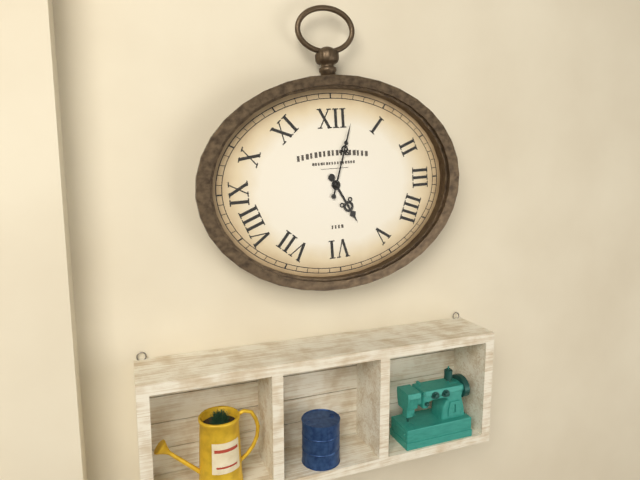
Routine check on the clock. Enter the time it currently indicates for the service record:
5:03
